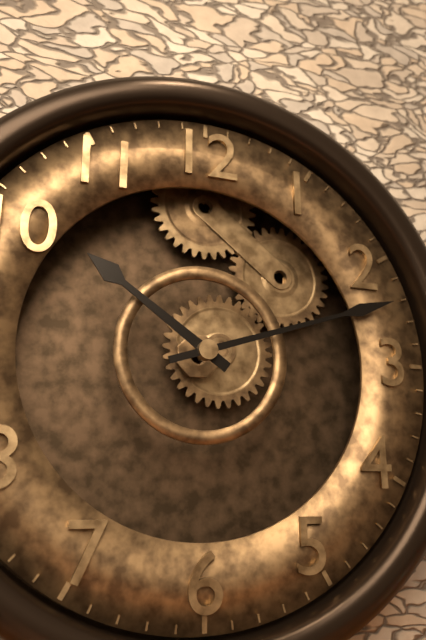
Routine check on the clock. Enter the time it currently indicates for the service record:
10:12
